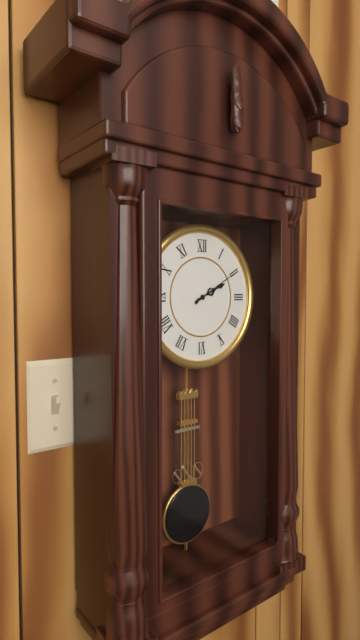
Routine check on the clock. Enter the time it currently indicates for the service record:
2:10
